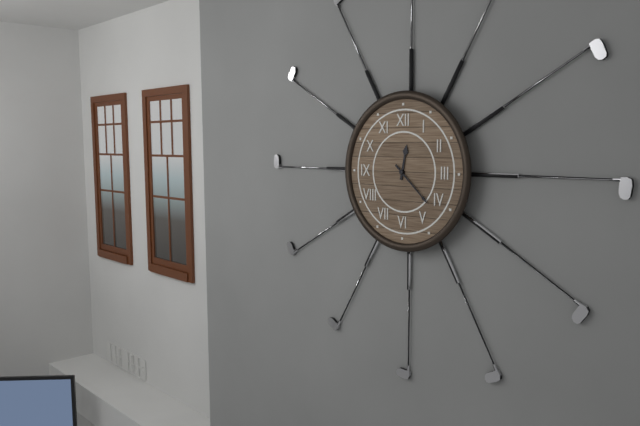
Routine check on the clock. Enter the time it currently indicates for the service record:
12:22
